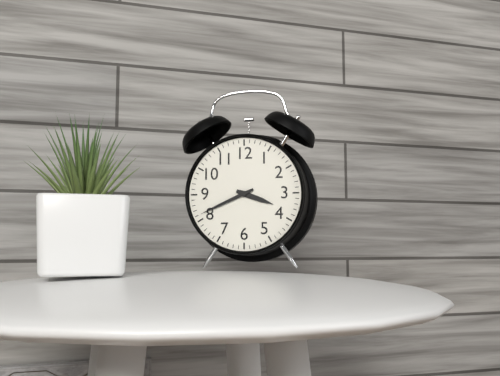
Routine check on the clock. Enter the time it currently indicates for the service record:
3:41
